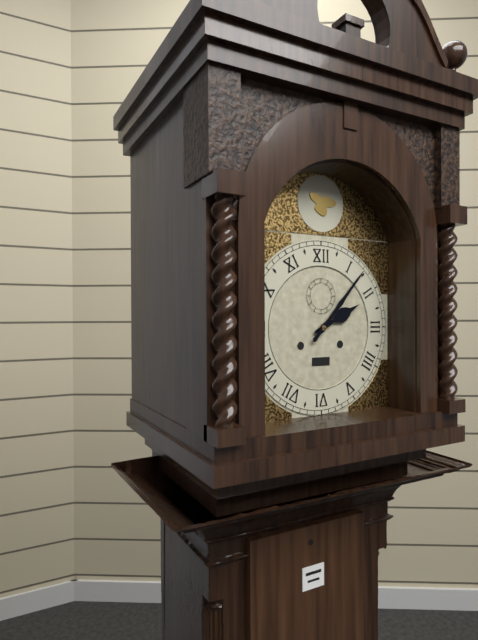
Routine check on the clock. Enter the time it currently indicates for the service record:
2:07
